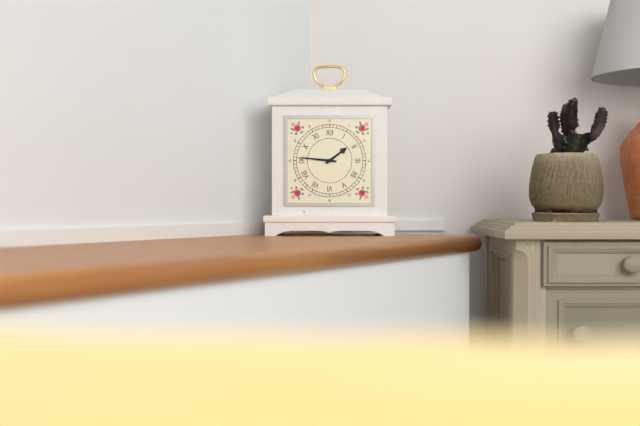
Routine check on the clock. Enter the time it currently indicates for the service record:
1:46
